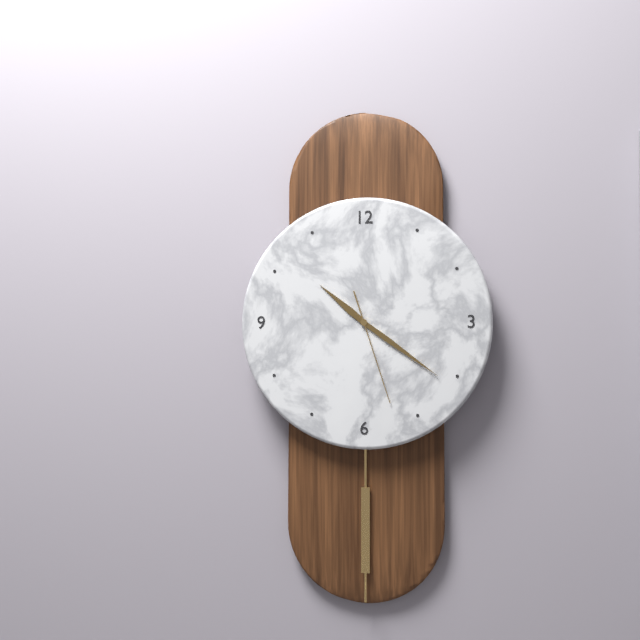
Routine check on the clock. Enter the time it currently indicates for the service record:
10:21:27
